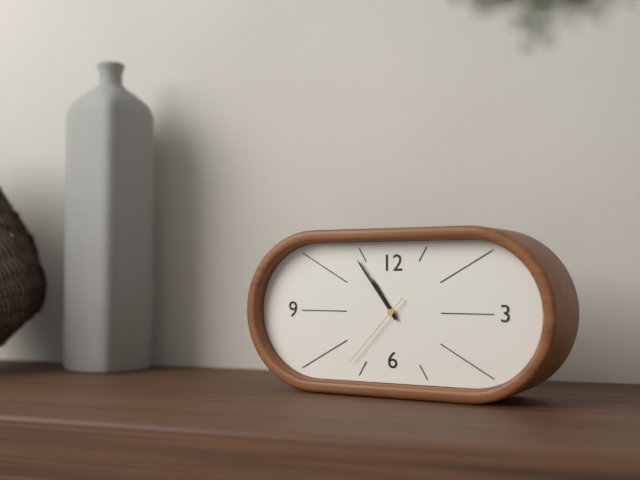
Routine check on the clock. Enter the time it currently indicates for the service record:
10:54:37
